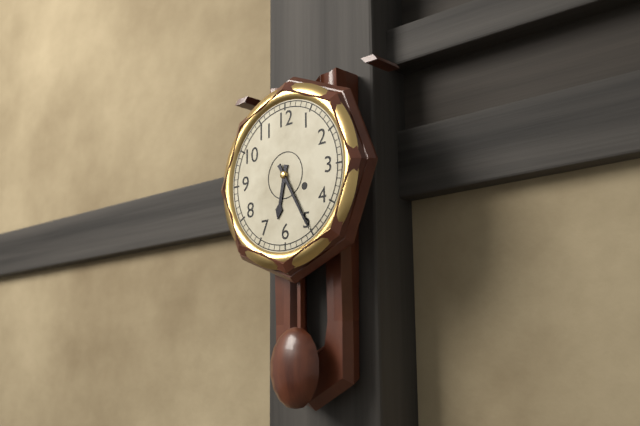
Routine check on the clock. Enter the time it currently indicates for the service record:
6:25
